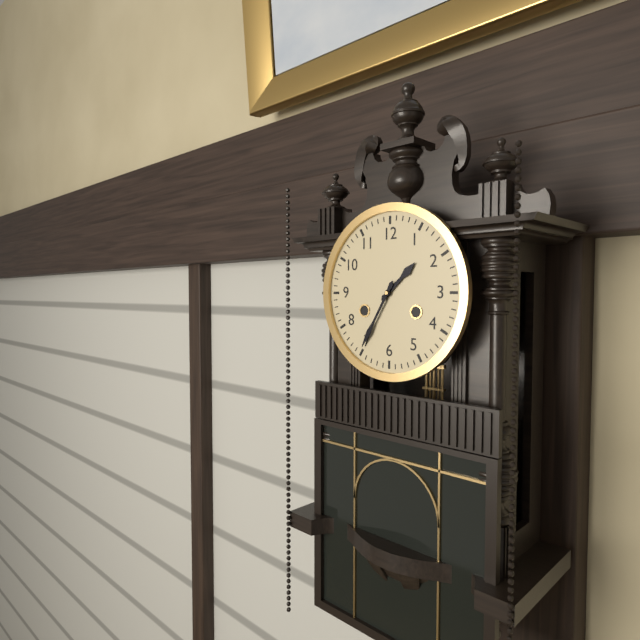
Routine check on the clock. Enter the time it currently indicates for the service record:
1:35
